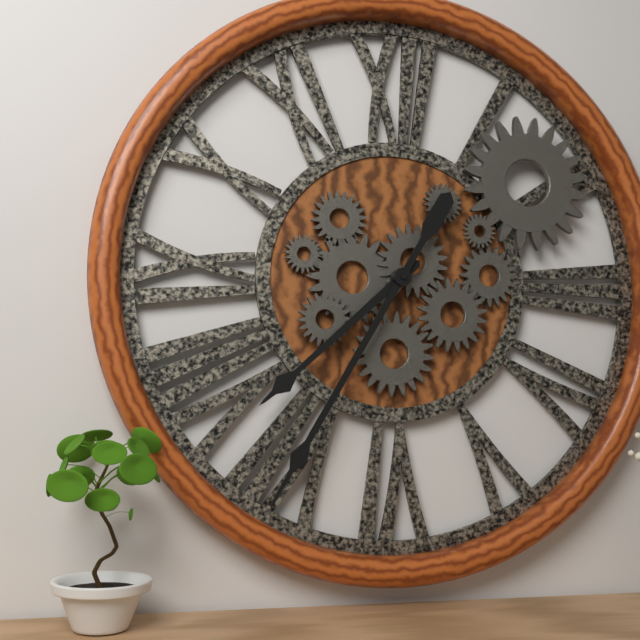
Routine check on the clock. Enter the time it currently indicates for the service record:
7:35
